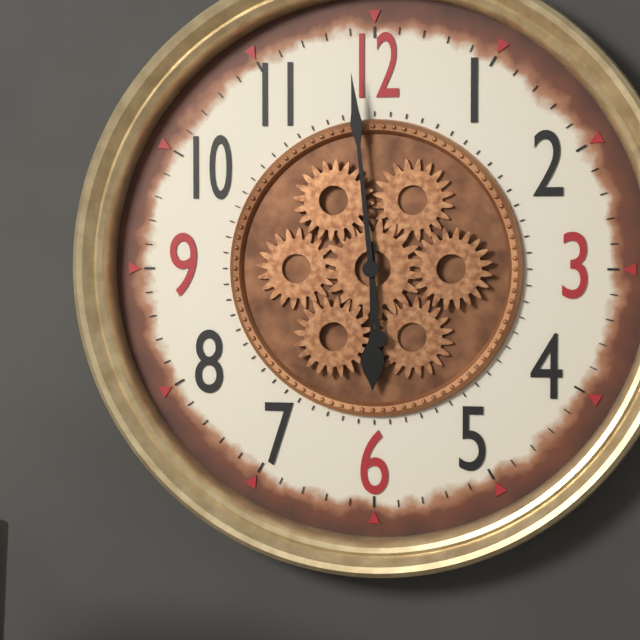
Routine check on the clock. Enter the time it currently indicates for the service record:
5:59
